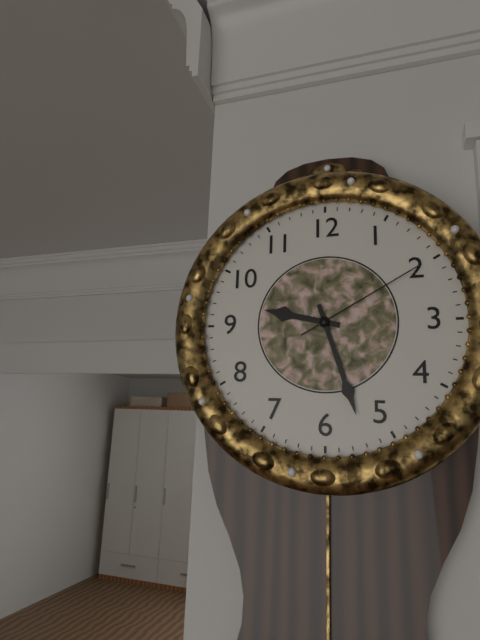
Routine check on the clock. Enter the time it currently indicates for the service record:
9:27:10
